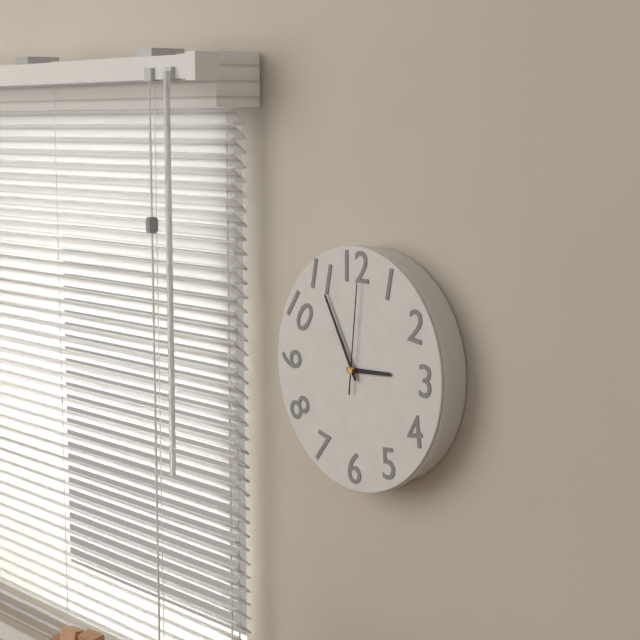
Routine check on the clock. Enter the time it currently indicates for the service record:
2:55:01
